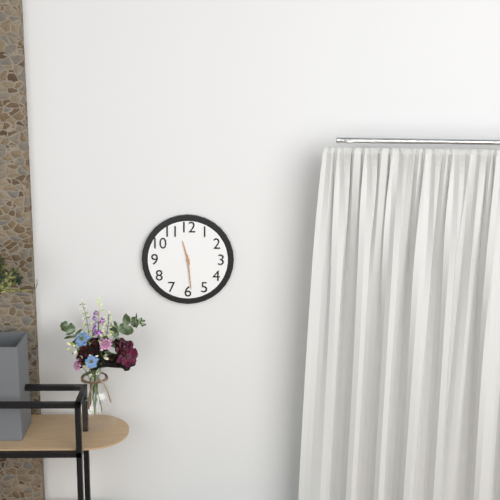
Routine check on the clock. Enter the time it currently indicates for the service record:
11:29
